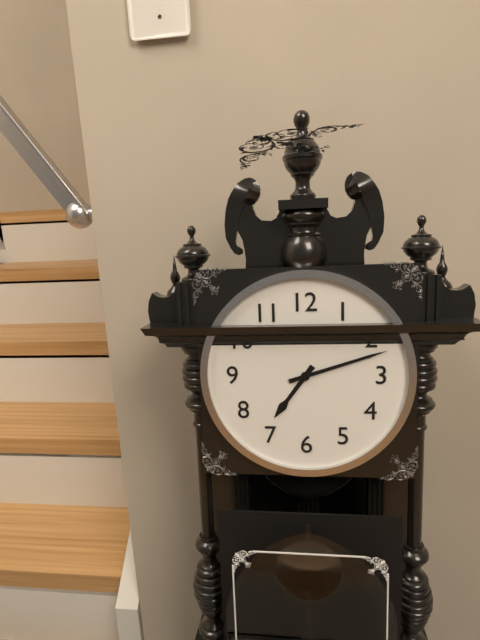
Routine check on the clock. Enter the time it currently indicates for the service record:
7:12
